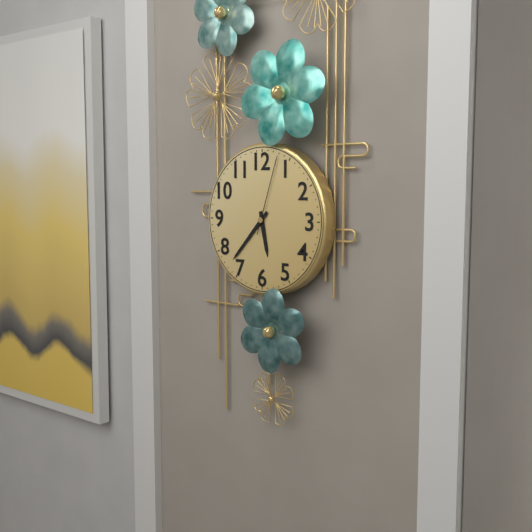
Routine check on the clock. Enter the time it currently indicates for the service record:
5:37:03
